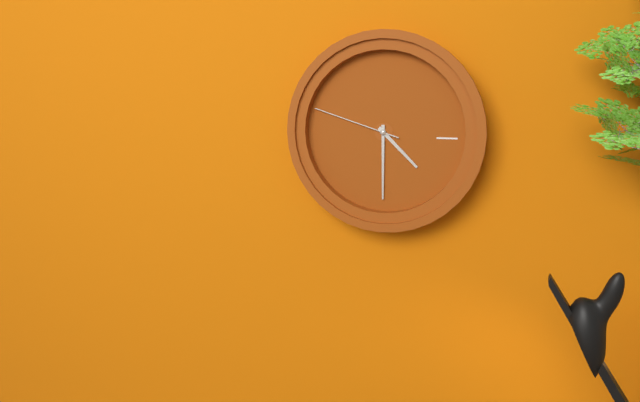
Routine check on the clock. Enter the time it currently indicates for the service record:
4:30:48
